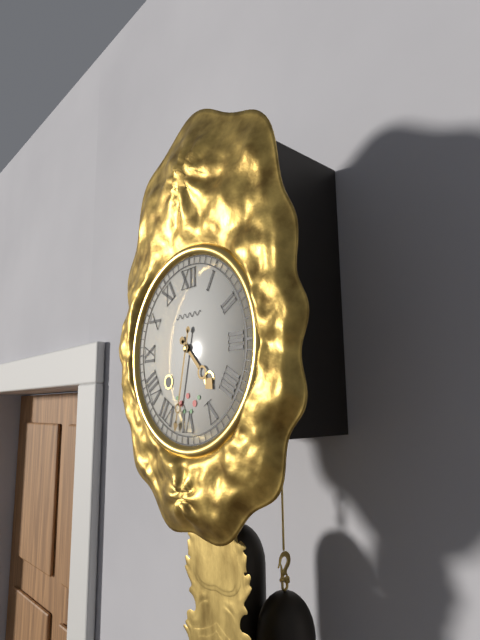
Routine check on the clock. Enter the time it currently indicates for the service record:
4:32
